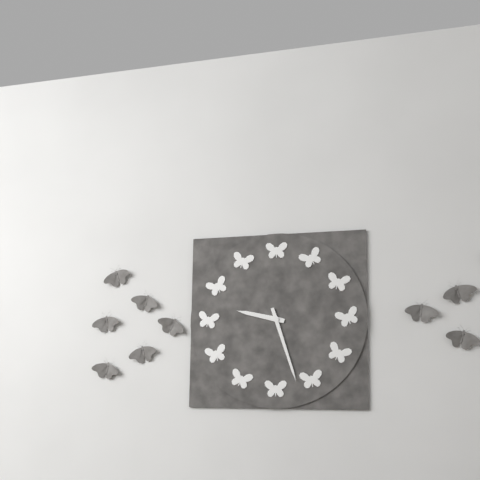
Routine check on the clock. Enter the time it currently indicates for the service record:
9:27
